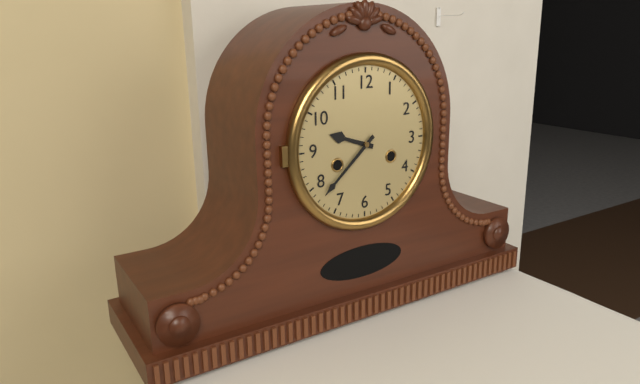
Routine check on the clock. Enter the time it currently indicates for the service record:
9:38
